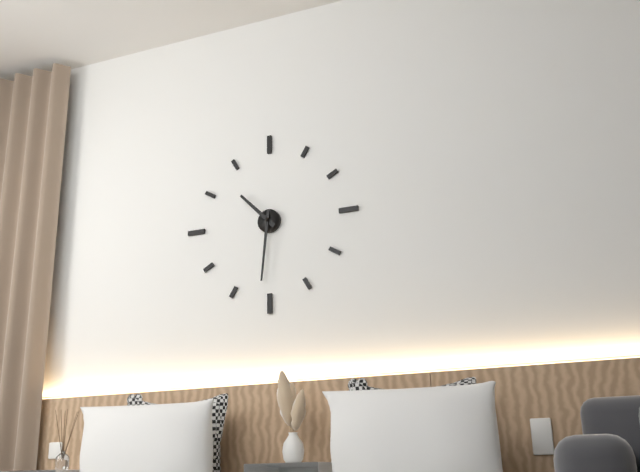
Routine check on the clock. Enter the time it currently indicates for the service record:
10:31
